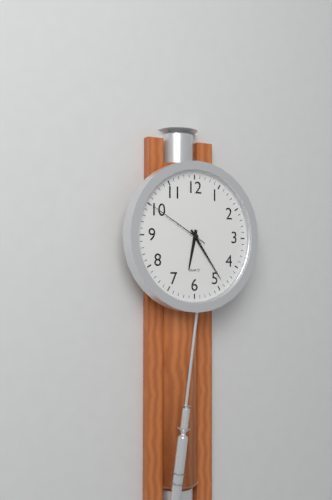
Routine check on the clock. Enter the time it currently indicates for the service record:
6:24:50
